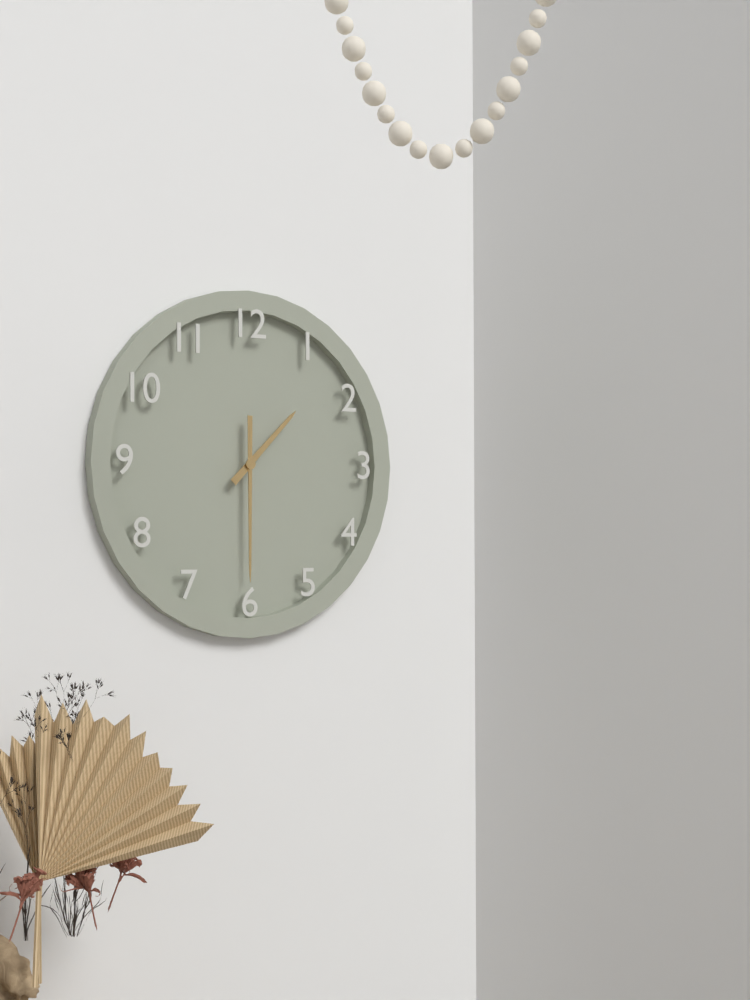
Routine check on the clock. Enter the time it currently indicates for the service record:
1:30
